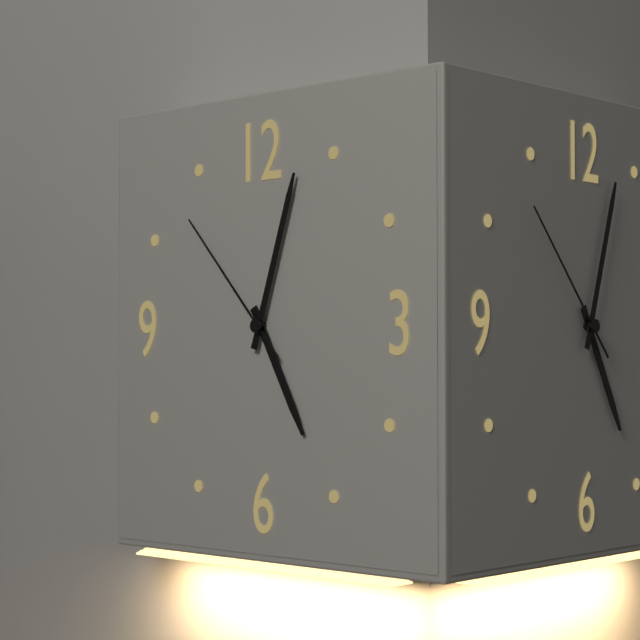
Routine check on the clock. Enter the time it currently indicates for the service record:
5:03:53
